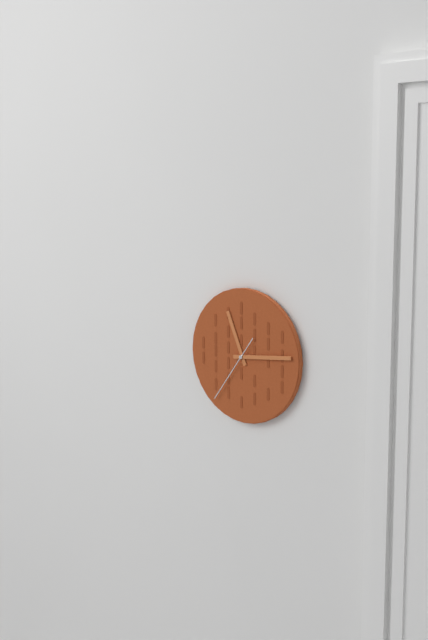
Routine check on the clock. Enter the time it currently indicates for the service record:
11:14:36
